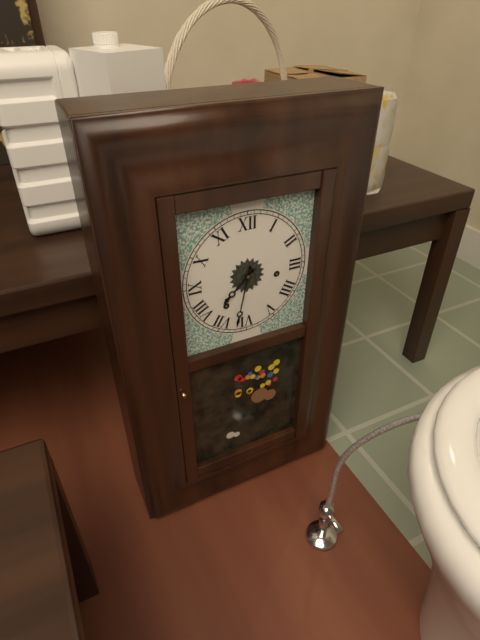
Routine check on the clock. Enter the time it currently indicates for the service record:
7:32
